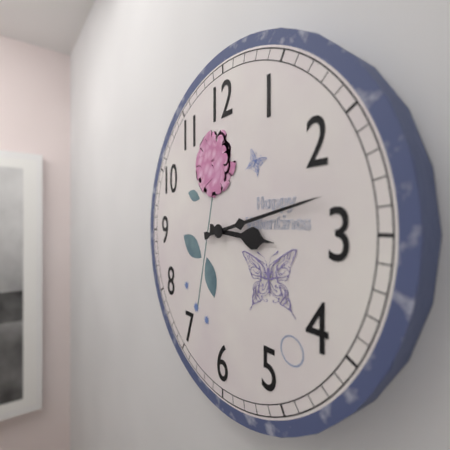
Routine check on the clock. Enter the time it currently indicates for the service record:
3:13
